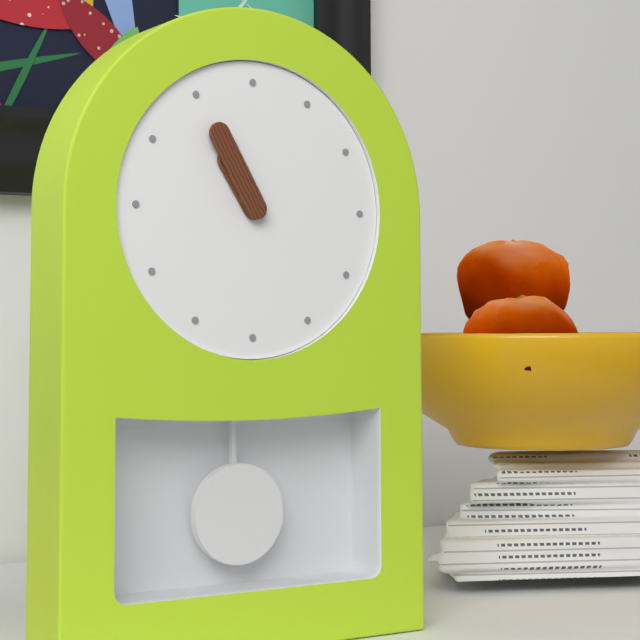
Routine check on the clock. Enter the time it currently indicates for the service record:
10:55
